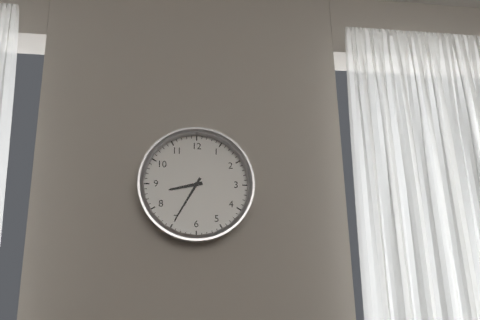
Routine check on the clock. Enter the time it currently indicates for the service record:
8:35
